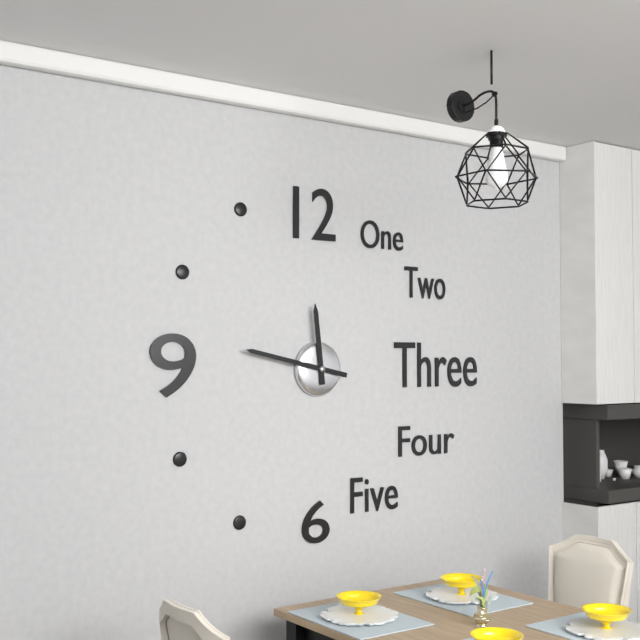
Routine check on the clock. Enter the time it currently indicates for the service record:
11:47
